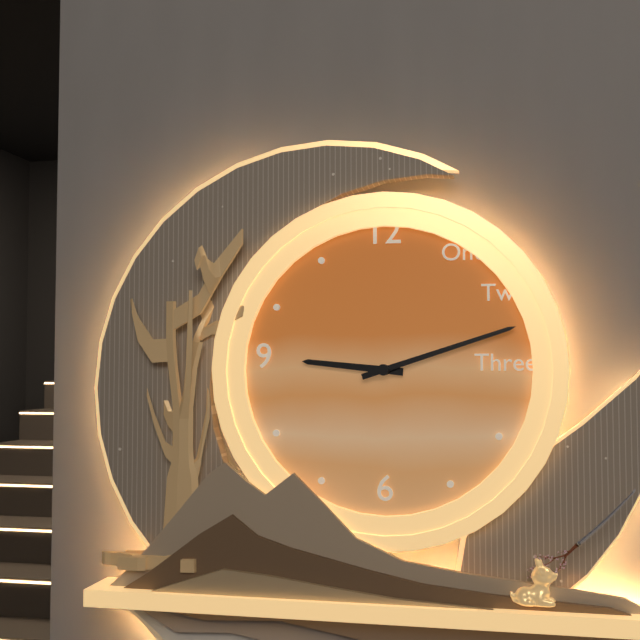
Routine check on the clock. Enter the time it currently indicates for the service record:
9:12
